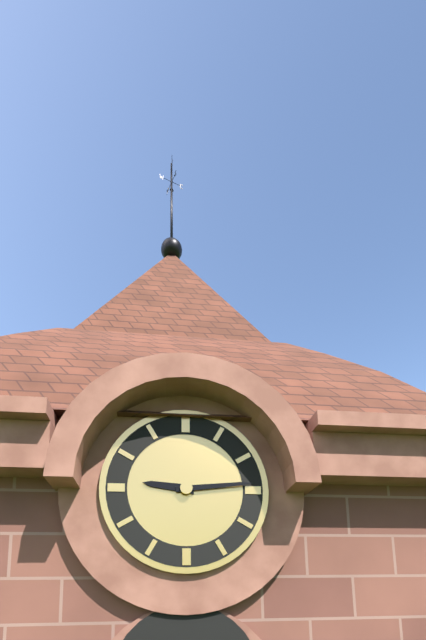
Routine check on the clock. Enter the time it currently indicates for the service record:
9:14
